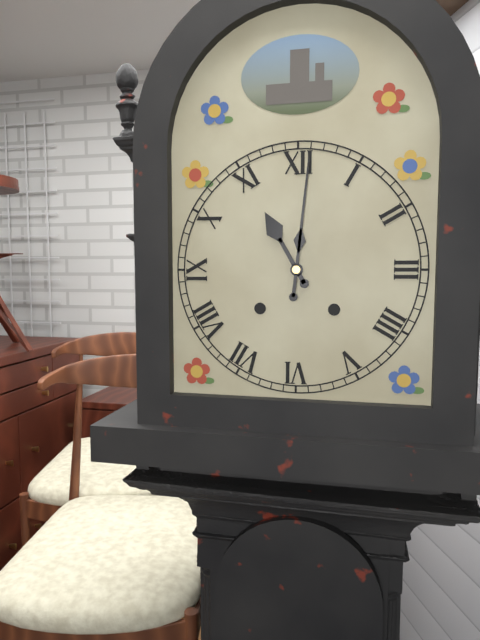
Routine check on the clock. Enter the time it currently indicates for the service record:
11:01
